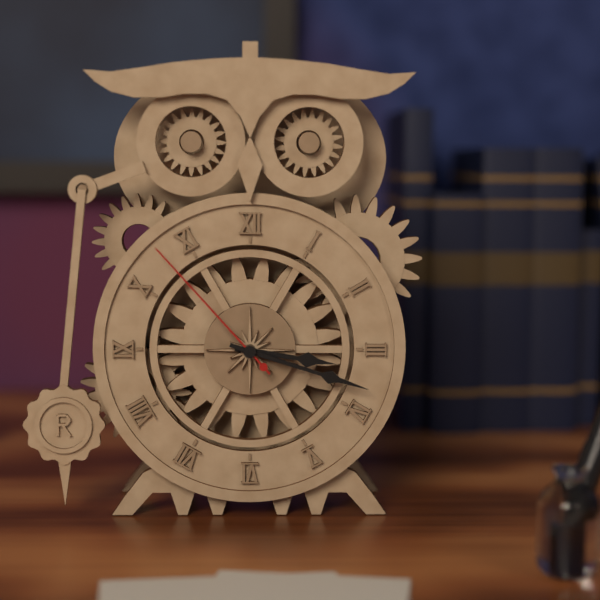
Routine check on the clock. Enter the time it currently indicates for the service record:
3:18:53
